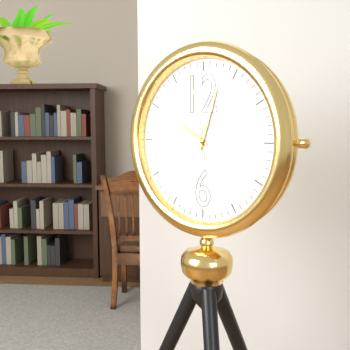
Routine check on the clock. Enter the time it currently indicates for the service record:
10:03:58
